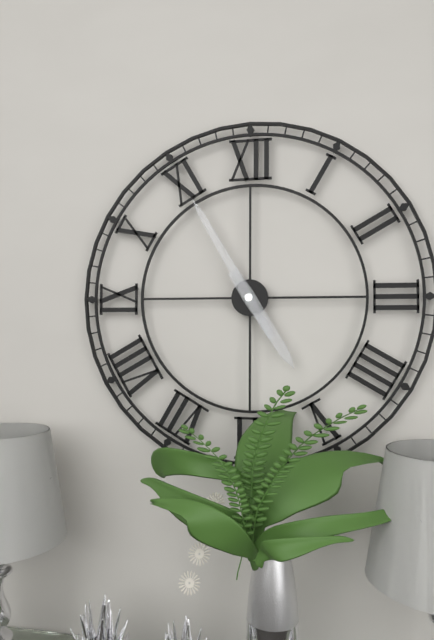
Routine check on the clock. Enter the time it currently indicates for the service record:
4:55
